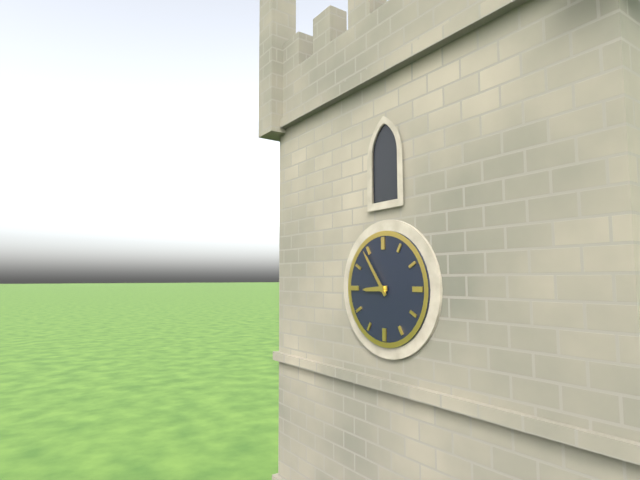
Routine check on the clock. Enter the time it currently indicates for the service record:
8:54
